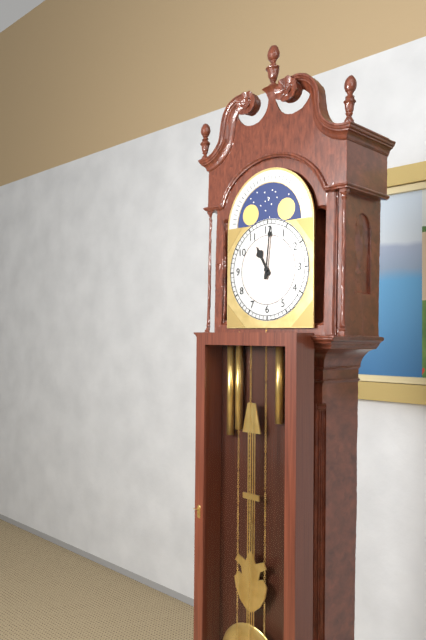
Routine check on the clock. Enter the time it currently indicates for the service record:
11:01
